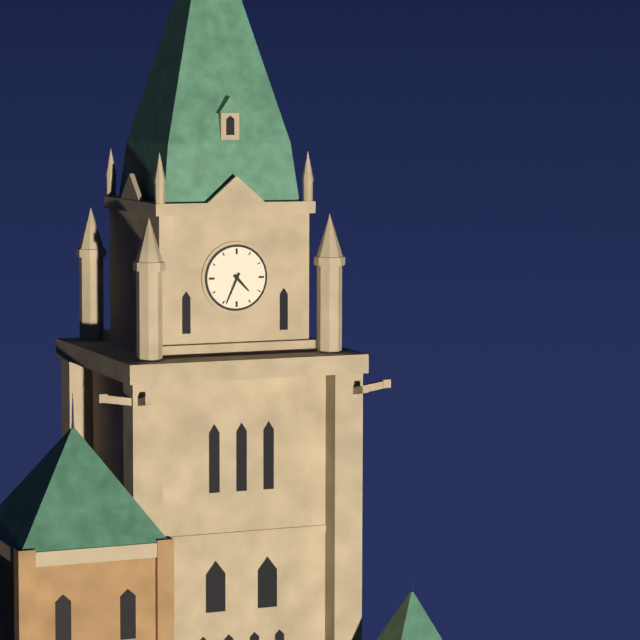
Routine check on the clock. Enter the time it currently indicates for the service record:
4:34
